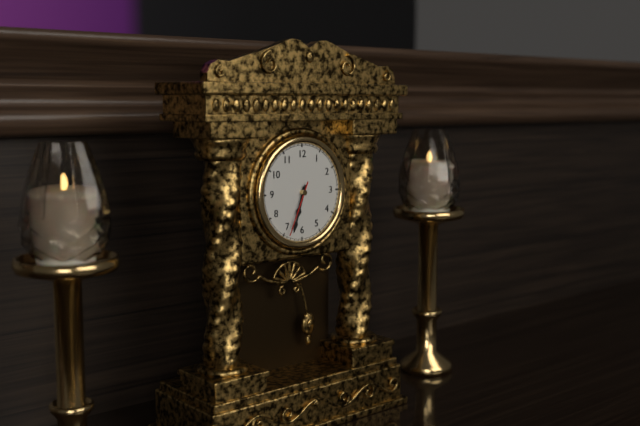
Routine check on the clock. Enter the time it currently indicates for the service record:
6:33:34
